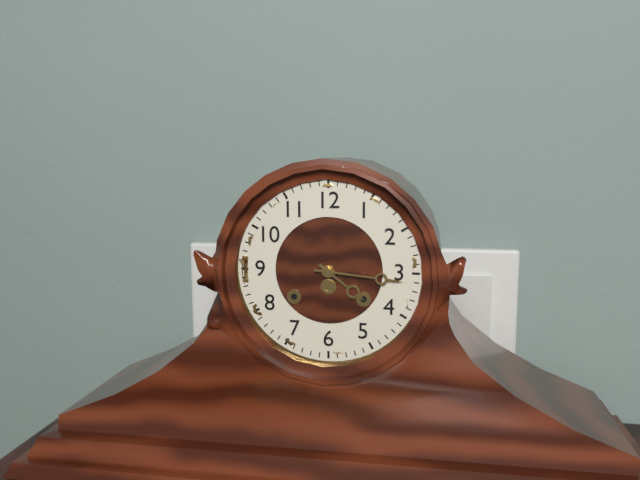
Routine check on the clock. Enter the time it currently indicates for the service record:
4:16
